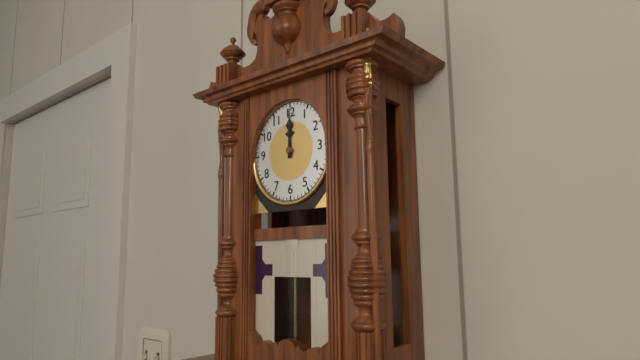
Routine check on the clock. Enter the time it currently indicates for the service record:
12:00
